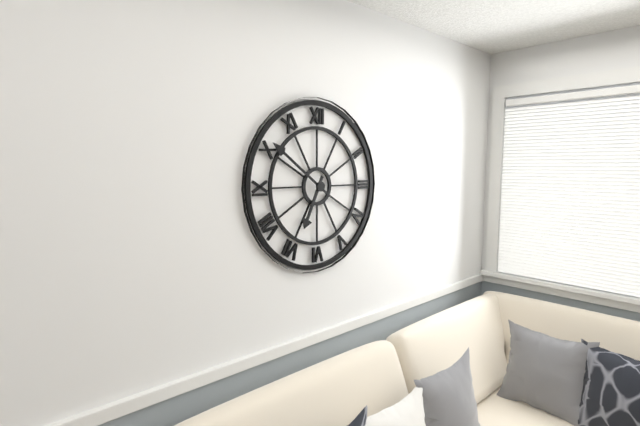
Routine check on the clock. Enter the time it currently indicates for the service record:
6:51
